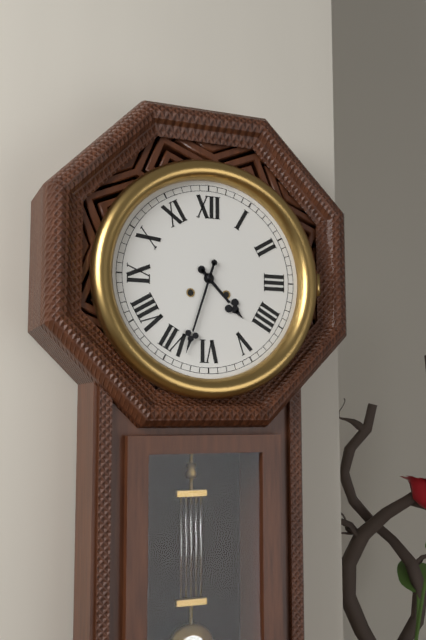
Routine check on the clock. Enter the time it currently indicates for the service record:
4:33
